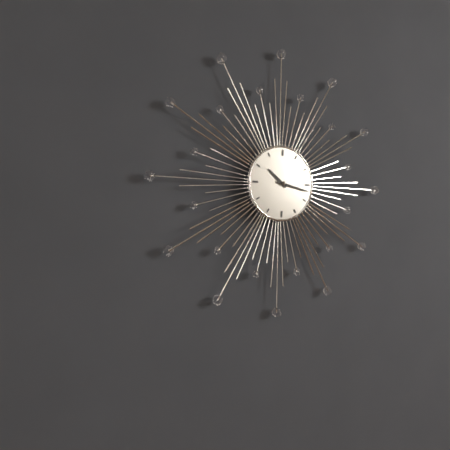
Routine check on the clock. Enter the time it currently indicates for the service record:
10:17
